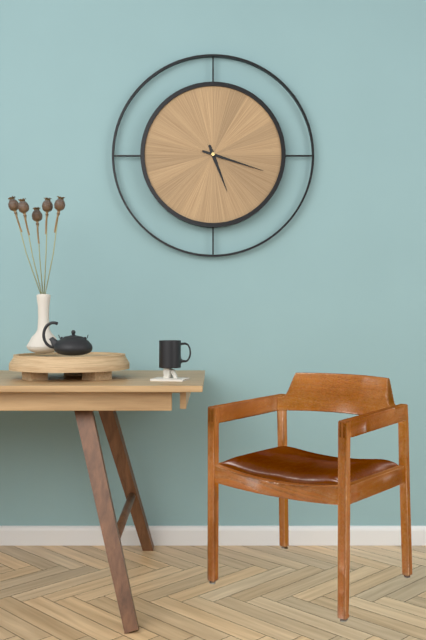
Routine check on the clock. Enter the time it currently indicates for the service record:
5:18
